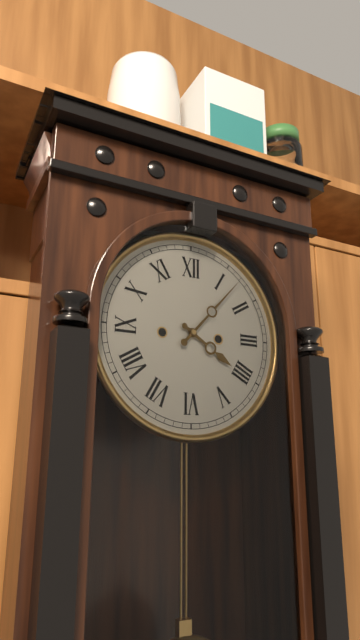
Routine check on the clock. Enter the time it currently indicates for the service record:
4:07
